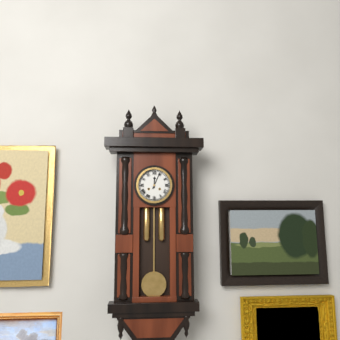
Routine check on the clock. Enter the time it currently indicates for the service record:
12:04
